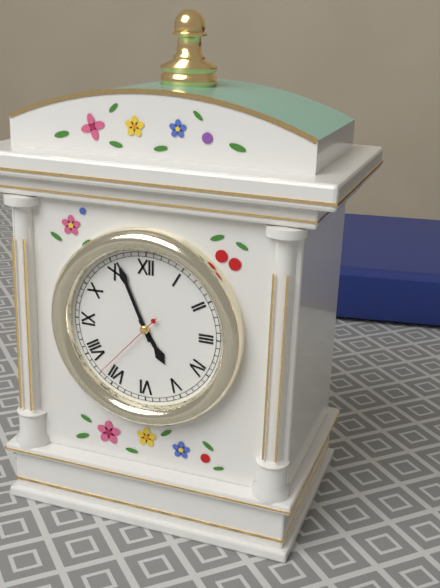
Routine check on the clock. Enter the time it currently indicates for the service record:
4:56:37
